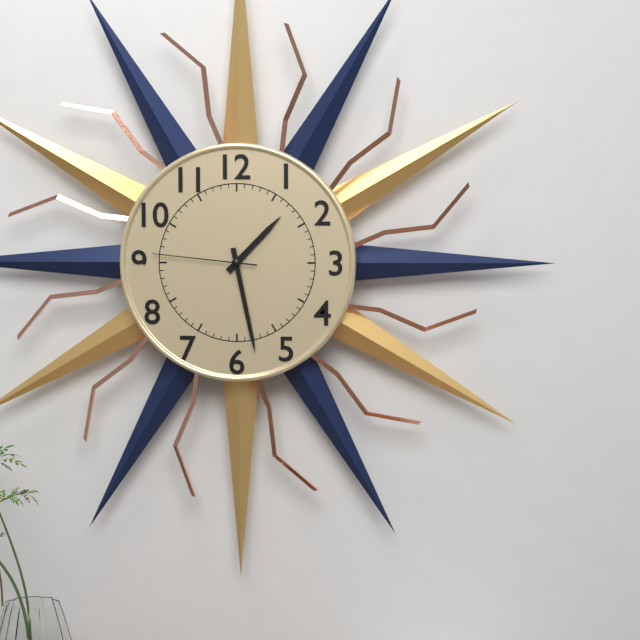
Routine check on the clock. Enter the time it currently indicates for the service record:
1:28:46
